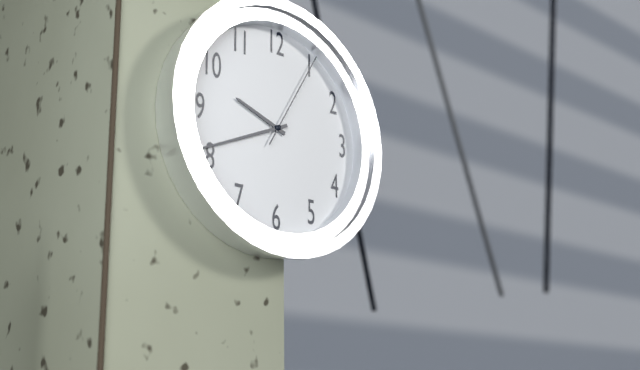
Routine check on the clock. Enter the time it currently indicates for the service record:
9:41:05
